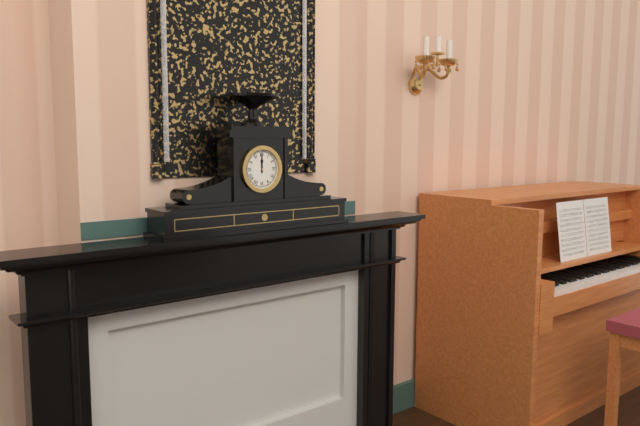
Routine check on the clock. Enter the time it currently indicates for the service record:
12:00
